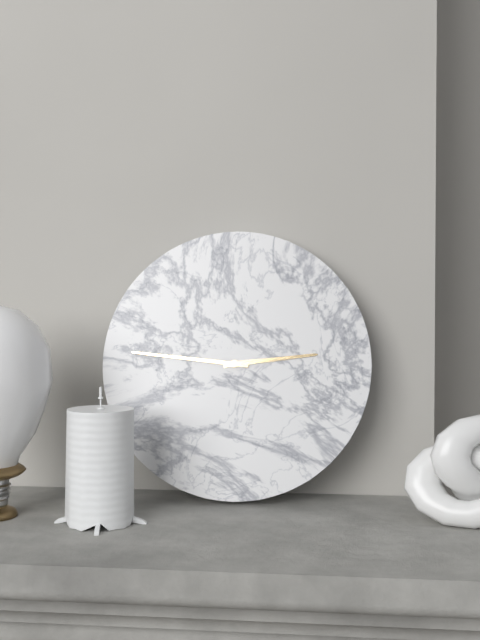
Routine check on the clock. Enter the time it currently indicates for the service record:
2:46
